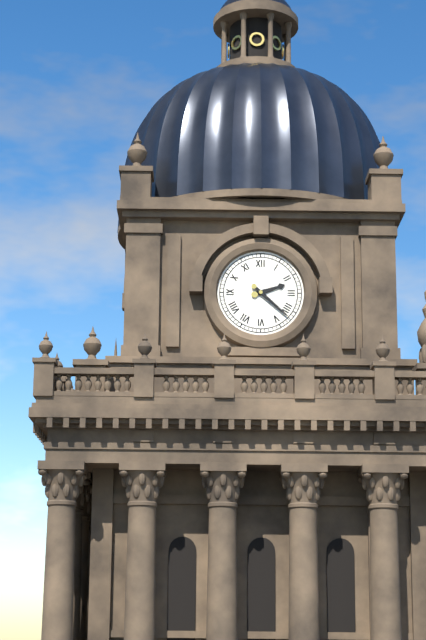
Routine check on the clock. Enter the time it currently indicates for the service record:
2:22
